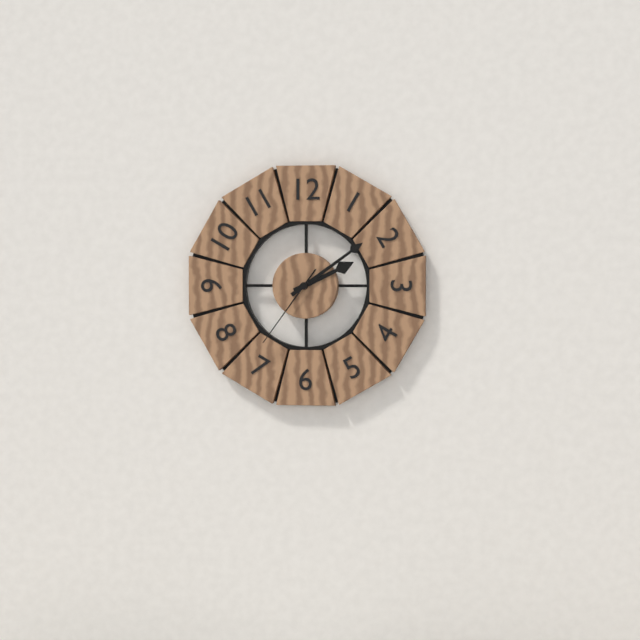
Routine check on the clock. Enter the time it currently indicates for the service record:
2:09:36
